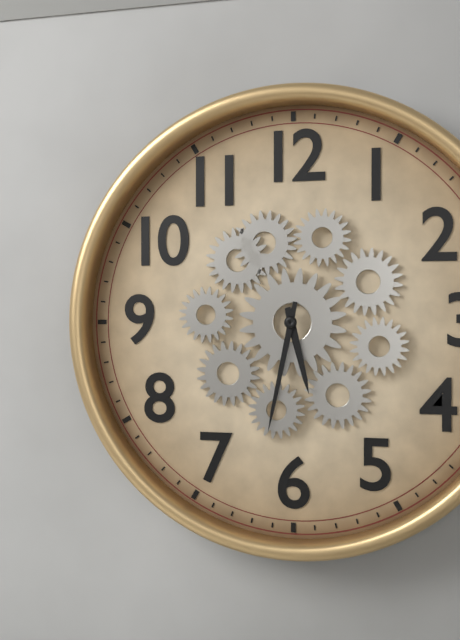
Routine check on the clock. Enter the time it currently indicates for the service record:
5:32
